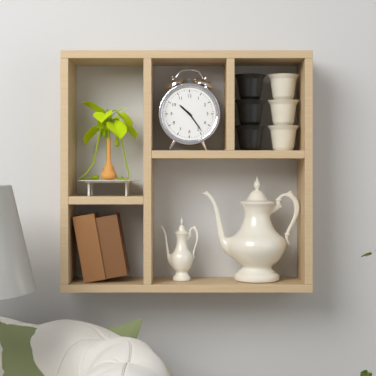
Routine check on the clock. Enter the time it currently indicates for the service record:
10:24
